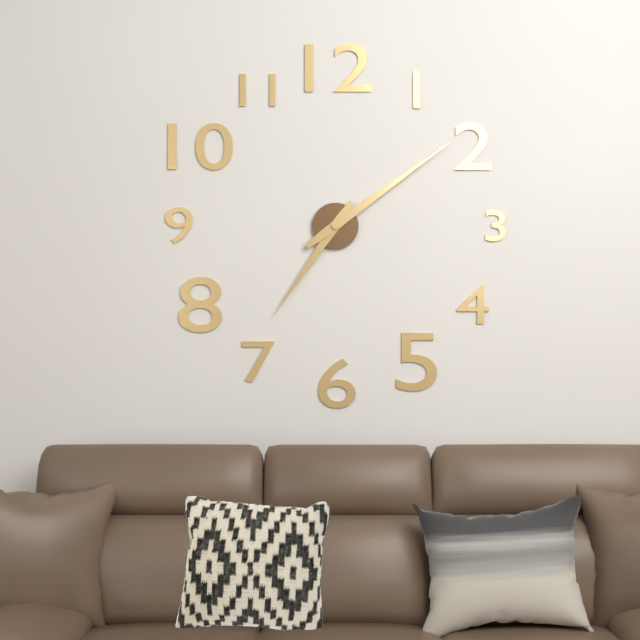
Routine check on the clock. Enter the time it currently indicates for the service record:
7:09
